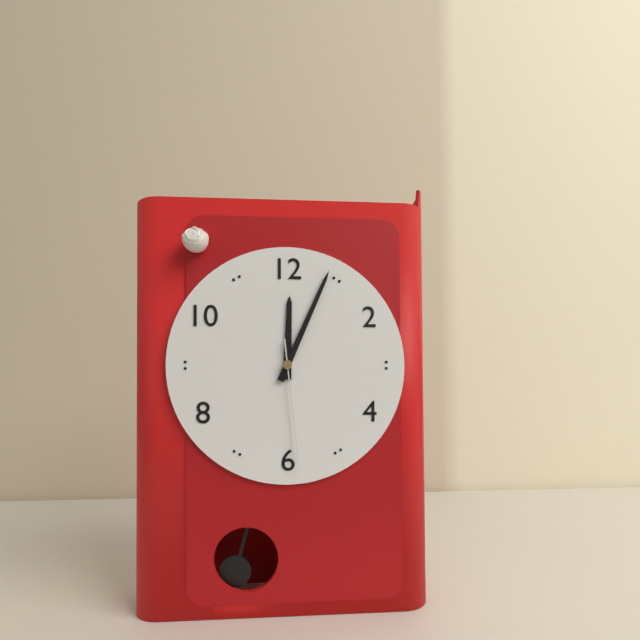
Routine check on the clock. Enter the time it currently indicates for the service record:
12:04:29
